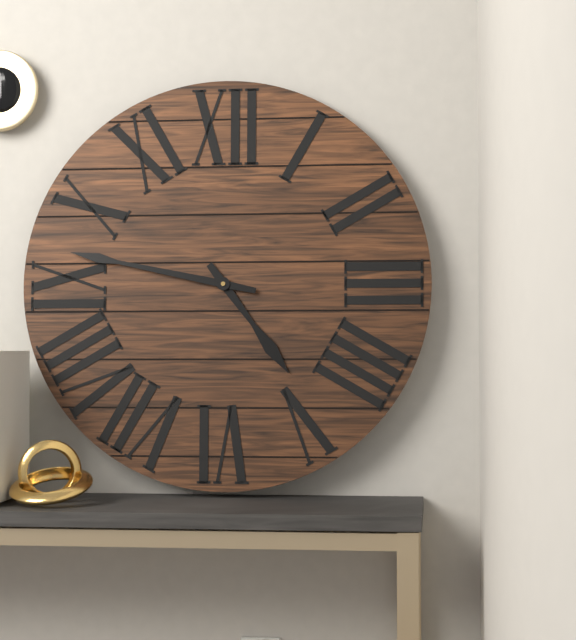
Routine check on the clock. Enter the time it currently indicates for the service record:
4:47
